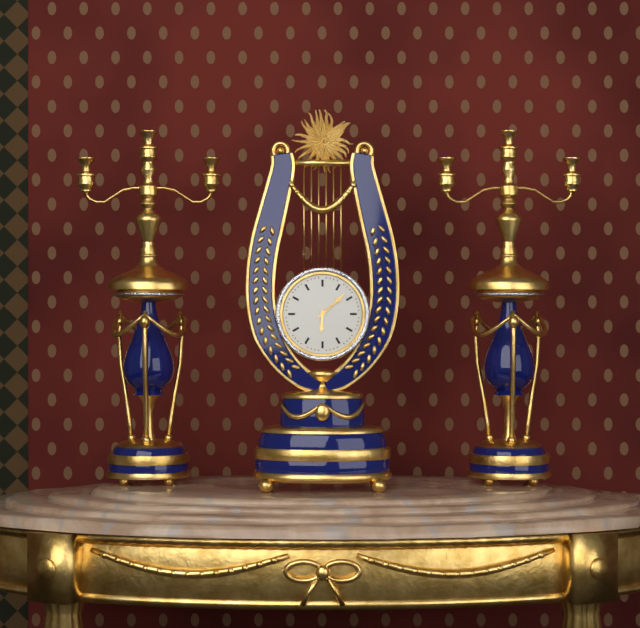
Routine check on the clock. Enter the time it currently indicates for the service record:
6:08
